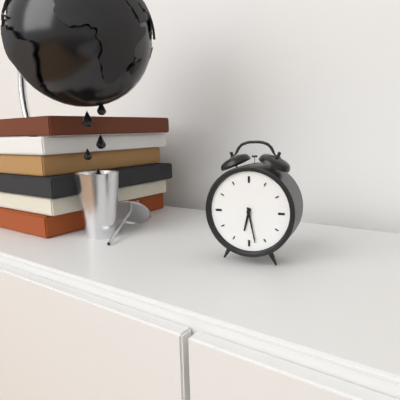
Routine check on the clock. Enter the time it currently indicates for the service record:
6:28
